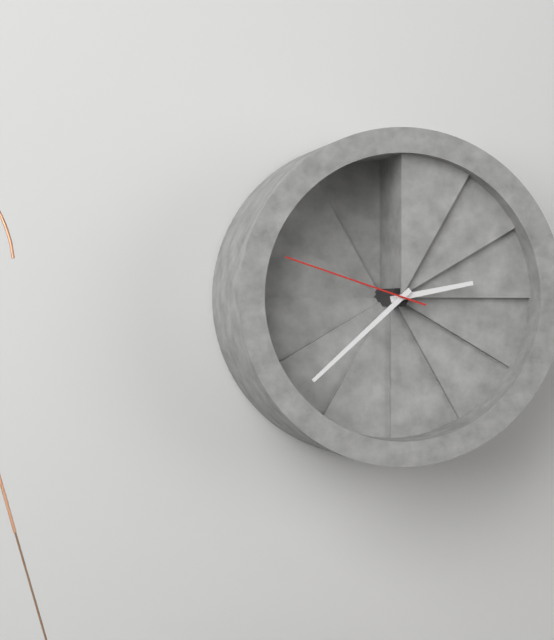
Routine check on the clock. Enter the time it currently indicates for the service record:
2:38:48
